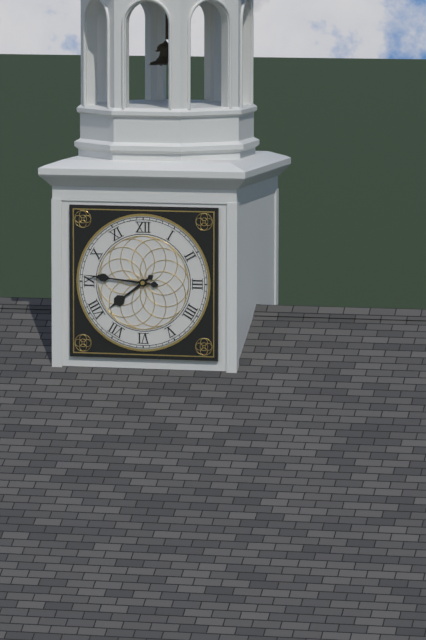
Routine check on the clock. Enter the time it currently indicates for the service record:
7:46
